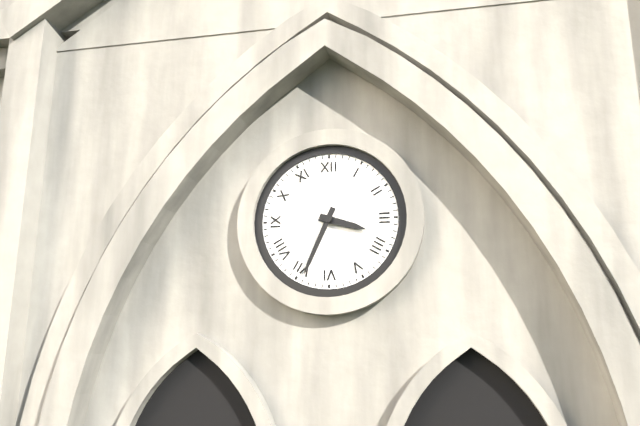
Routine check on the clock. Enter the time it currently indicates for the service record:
3:34
